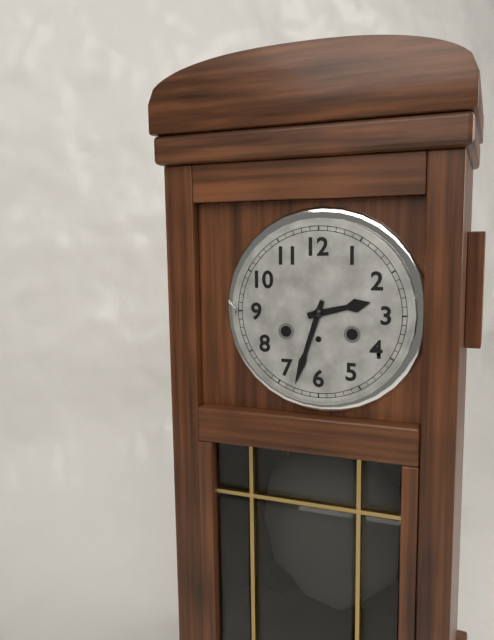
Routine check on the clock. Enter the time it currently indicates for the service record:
2:33
